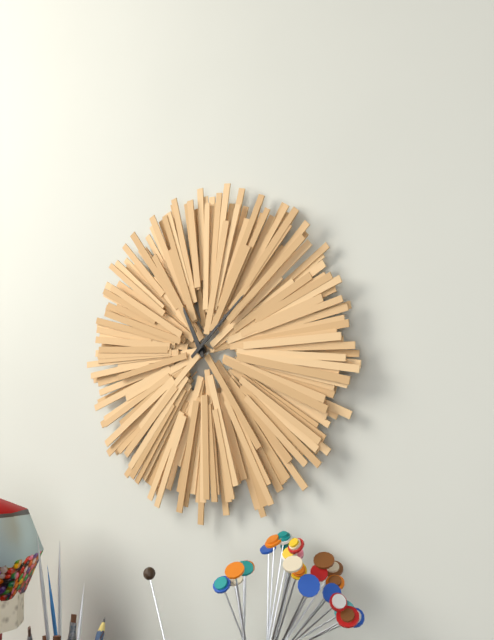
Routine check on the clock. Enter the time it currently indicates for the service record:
11:08
